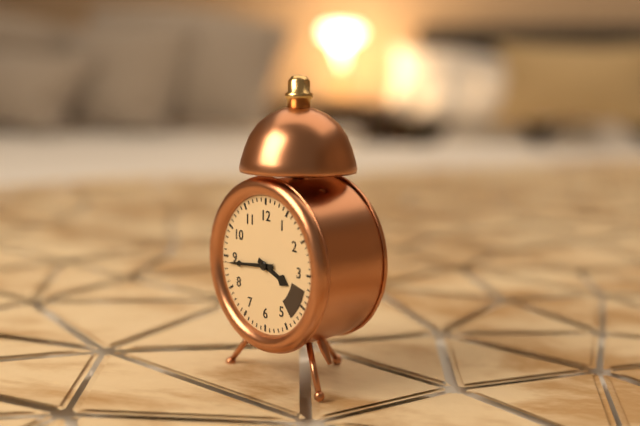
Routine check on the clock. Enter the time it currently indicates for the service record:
3:44
